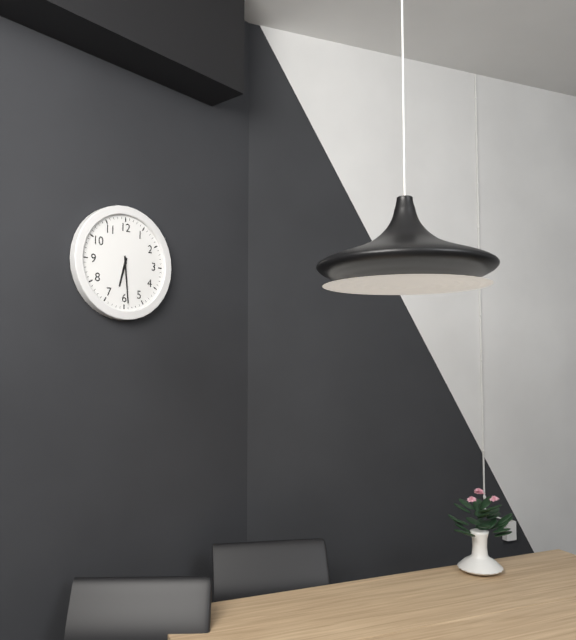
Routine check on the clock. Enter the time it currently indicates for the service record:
6:29
